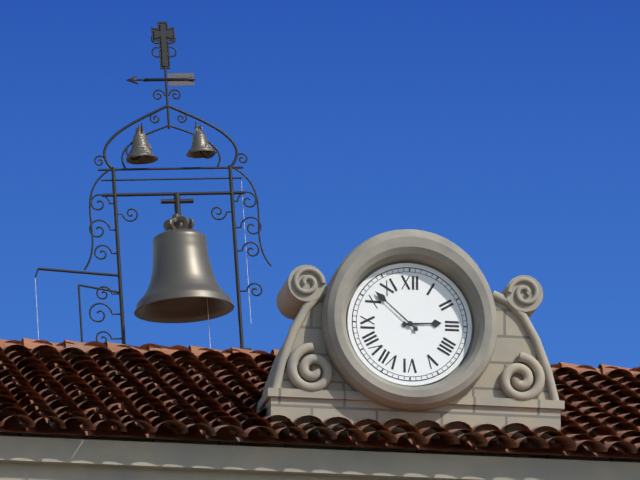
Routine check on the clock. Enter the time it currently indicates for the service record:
2:52
